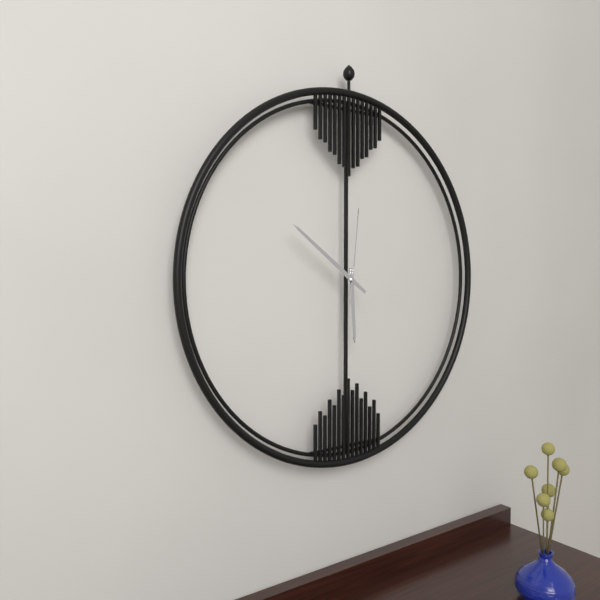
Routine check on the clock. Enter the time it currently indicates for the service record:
5:51:01
